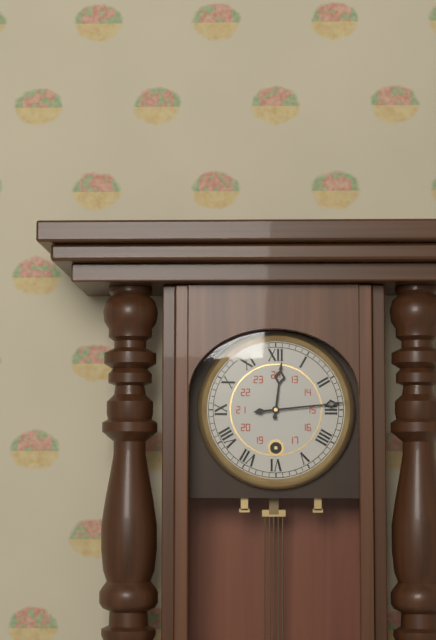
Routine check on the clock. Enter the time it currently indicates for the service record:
12:14
